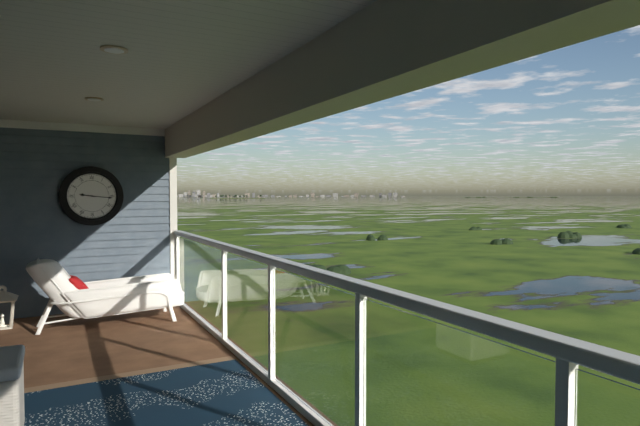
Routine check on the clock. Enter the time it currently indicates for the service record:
9:16
